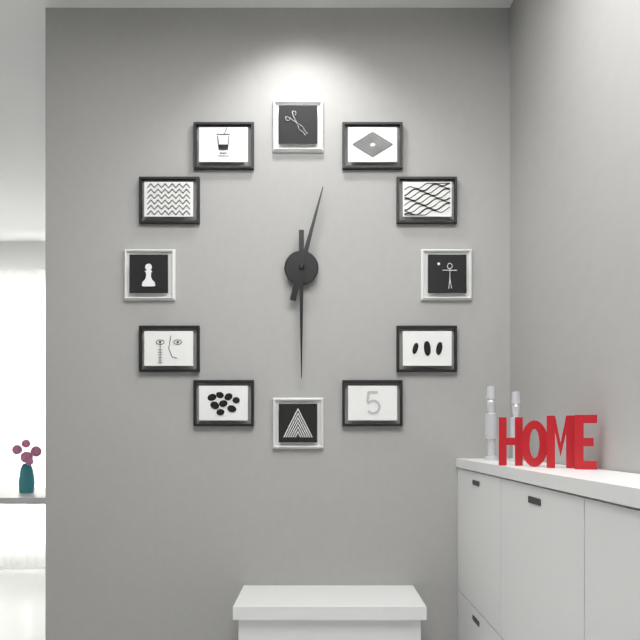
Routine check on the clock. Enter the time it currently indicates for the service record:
12:30
